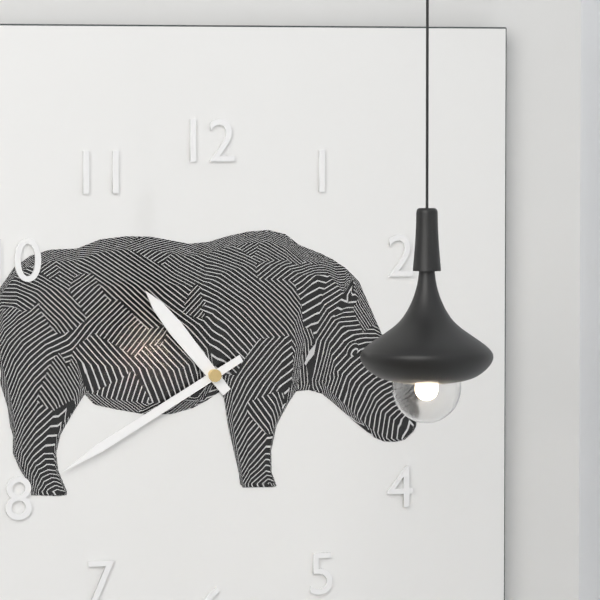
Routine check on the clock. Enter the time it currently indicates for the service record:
10:40
